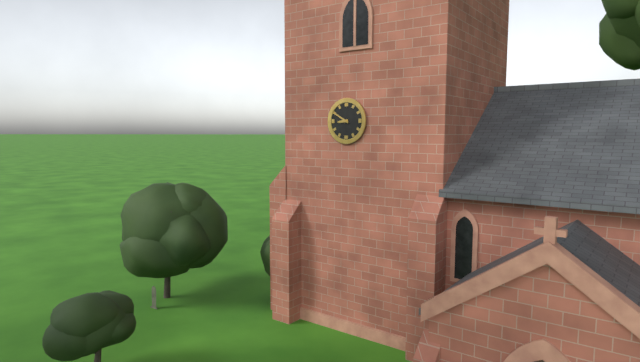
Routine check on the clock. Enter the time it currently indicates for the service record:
8:50
